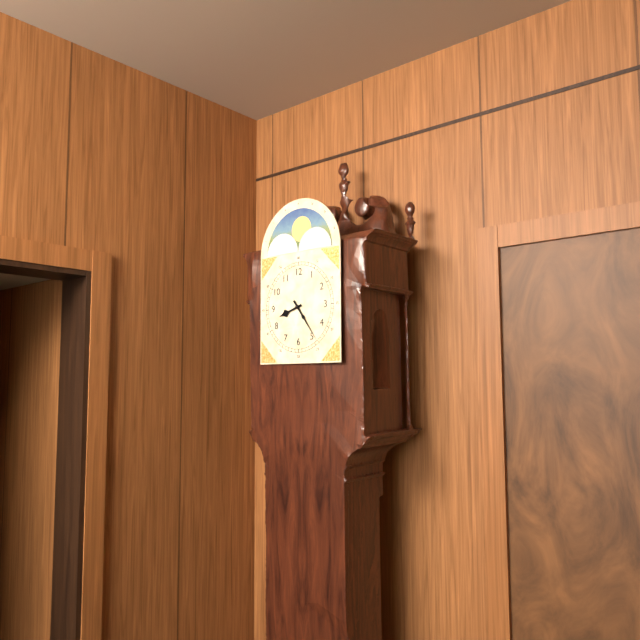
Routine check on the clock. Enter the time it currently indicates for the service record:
8:24
